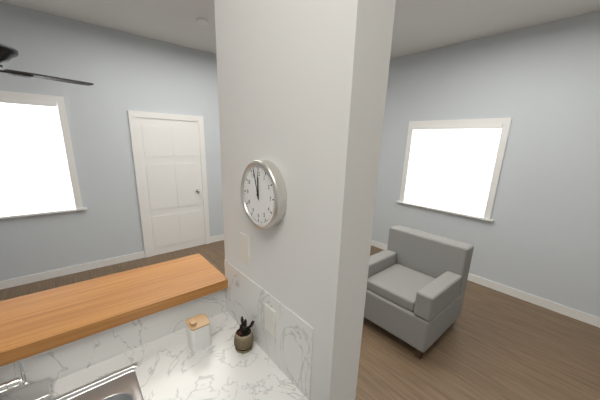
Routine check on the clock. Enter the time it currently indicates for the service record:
11:57
